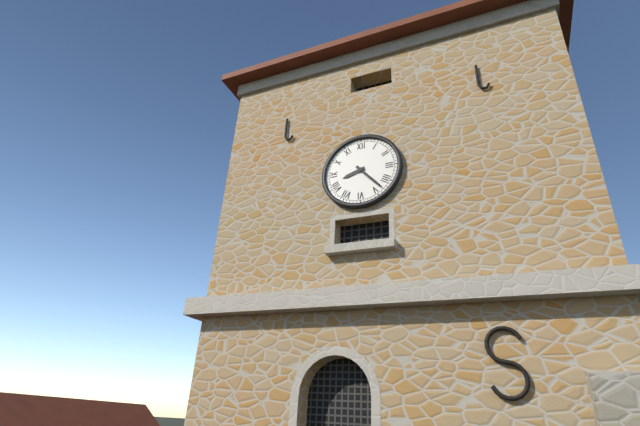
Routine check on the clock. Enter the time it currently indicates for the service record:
8:23
